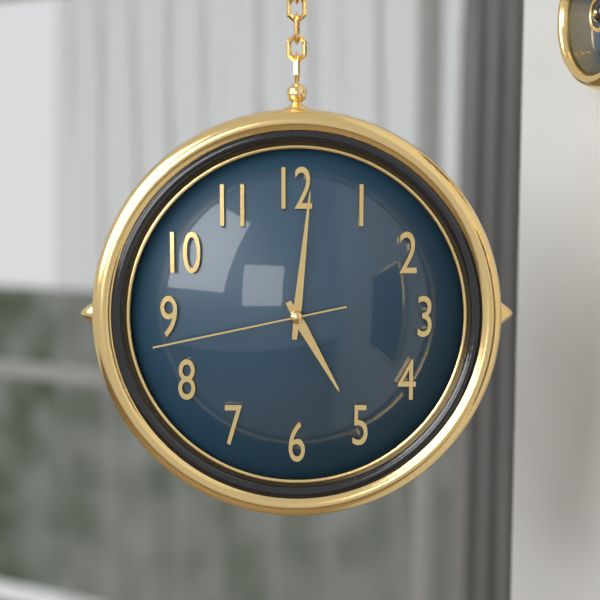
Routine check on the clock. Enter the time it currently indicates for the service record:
5:01:43
